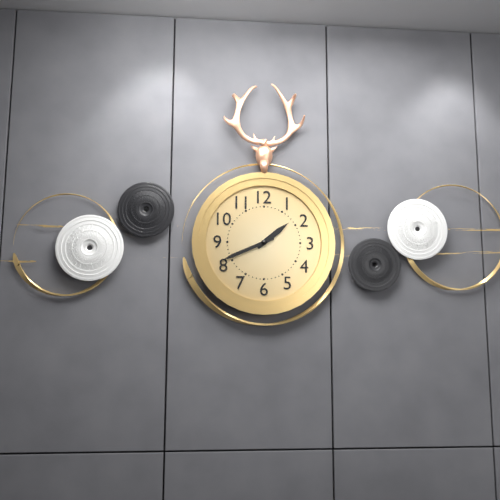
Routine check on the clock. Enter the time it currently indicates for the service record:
1:41
